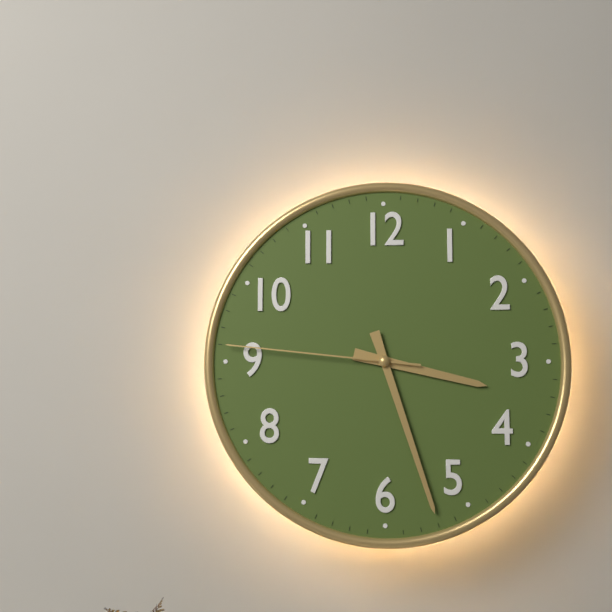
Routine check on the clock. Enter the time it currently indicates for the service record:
3:27:46
